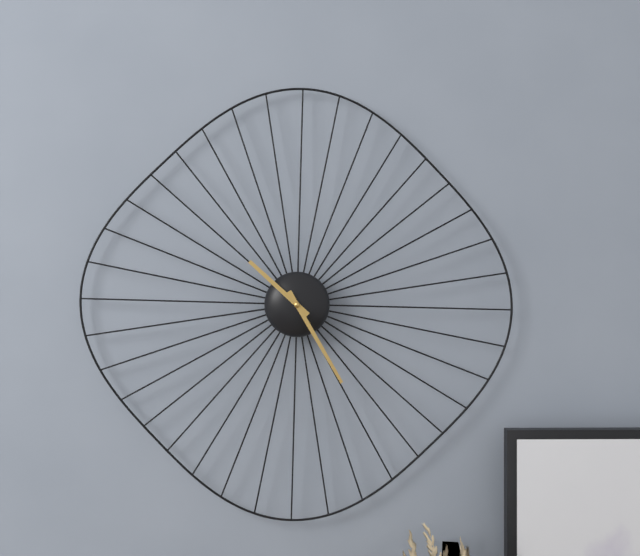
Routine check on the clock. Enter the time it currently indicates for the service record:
10:25
